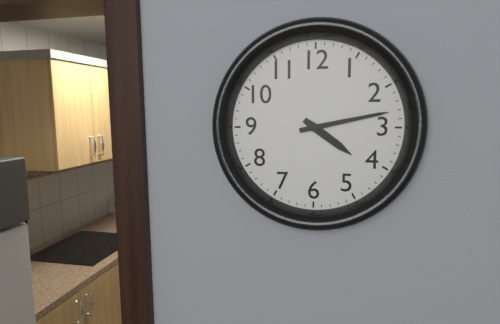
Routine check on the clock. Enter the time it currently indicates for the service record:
4:13
